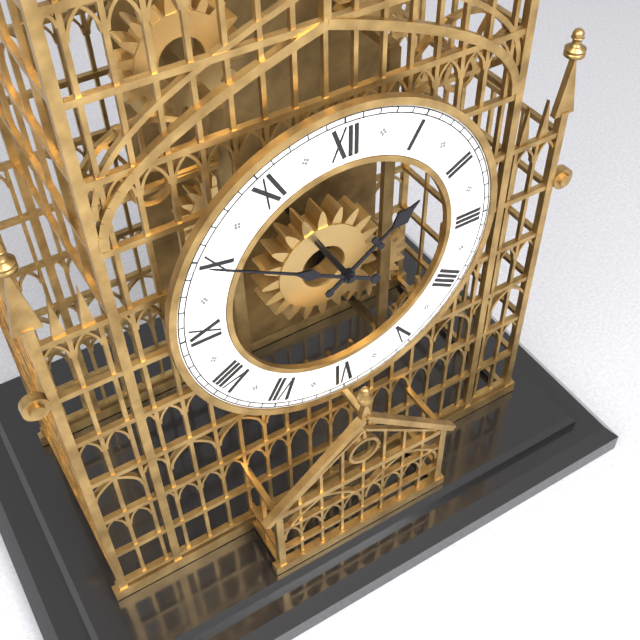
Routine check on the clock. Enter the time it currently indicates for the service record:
1:50
